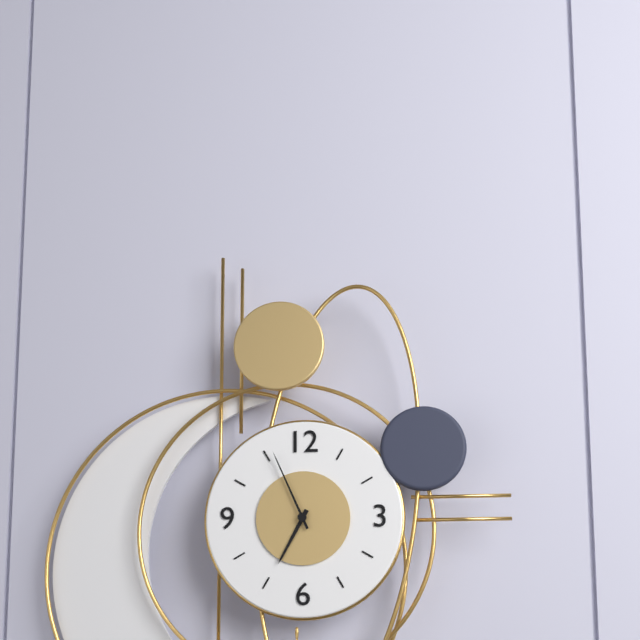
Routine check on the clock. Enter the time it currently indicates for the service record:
6:56
